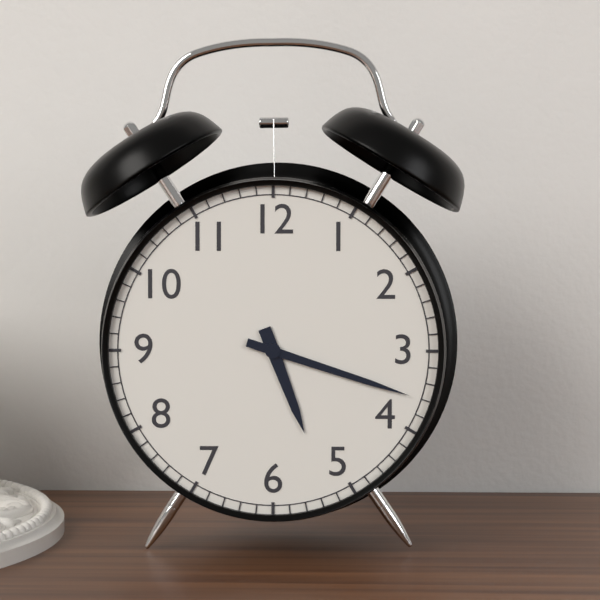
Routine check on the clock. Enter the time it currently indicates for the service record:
5:18
